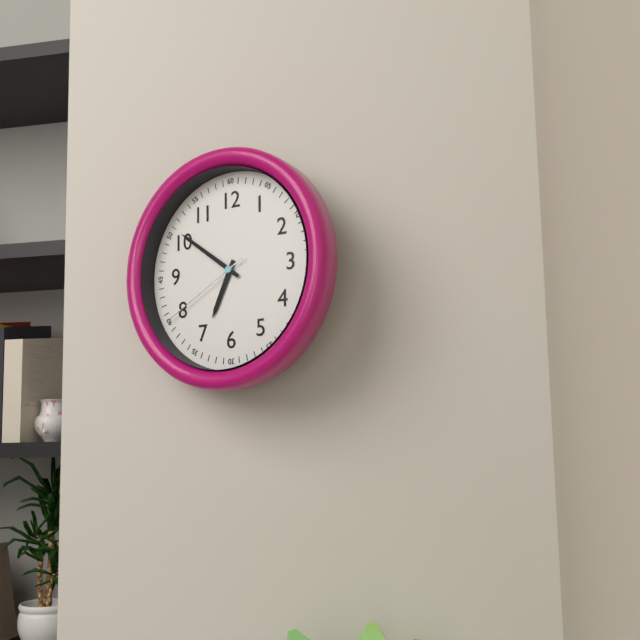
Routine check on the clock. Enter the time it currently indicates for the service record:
6:51:40
